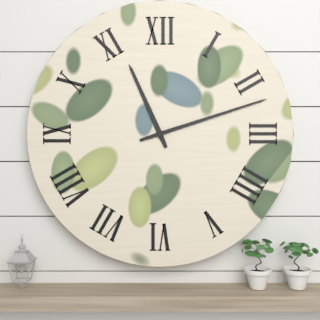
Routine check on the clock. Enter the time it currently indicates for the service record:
11:12
